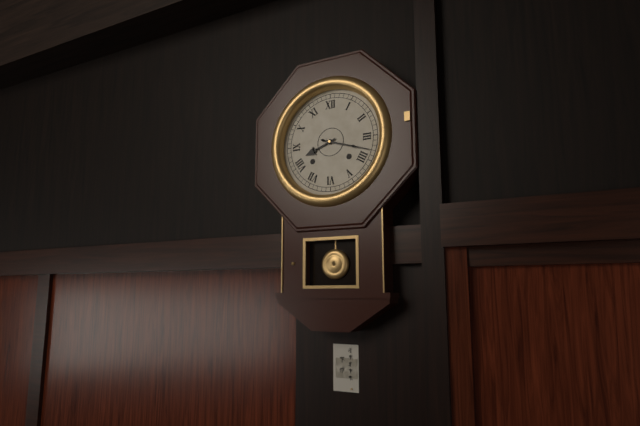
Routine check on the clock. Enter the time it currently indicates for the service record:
8:18
